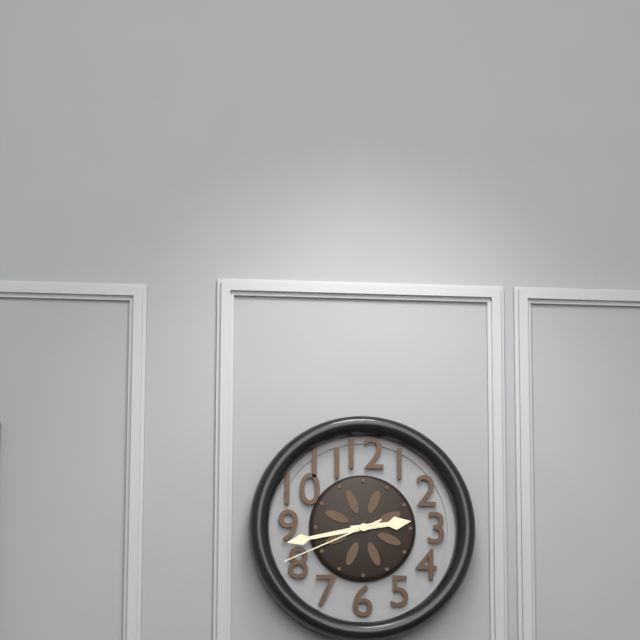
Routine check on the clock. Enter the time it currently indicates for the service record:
2:43:41
